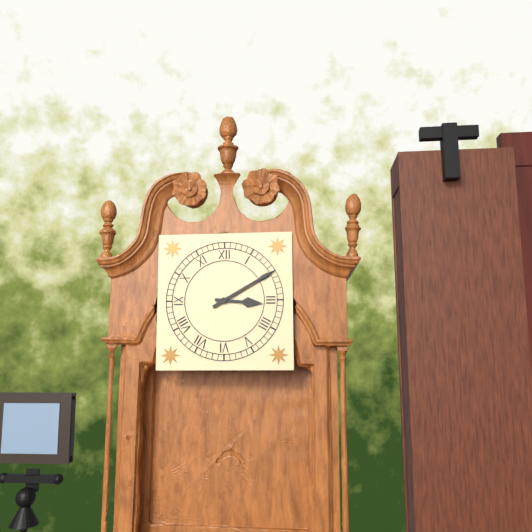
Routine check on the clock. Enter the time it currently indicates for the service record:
3:10
